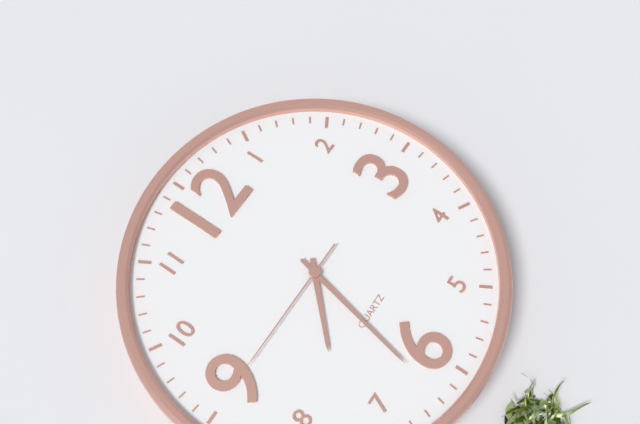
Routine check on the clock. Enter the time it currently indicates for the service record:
7:32:45
